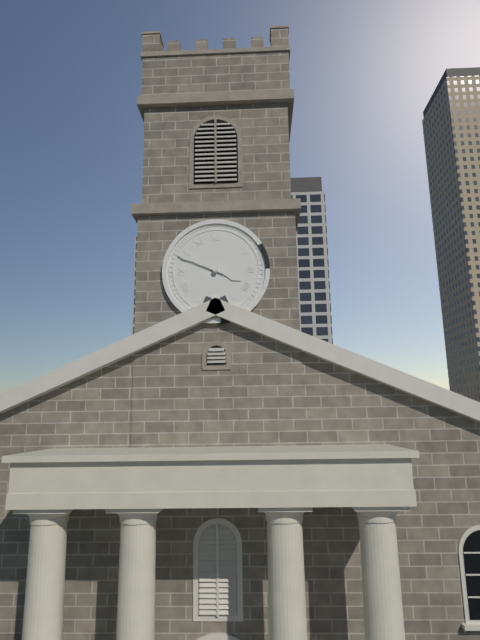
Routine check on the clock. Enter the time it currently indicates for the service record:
3:49
